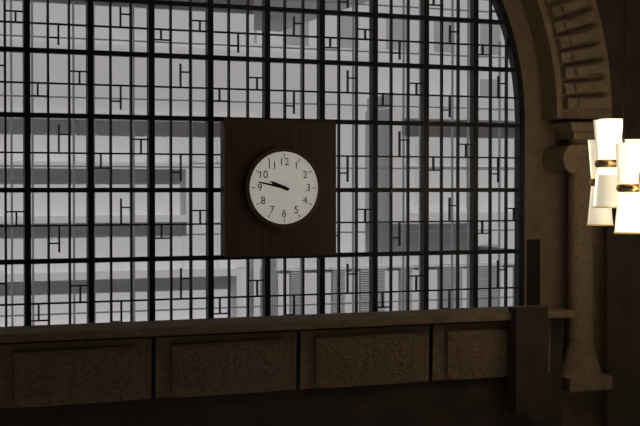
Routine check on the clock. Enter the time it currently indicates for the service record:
9:47
